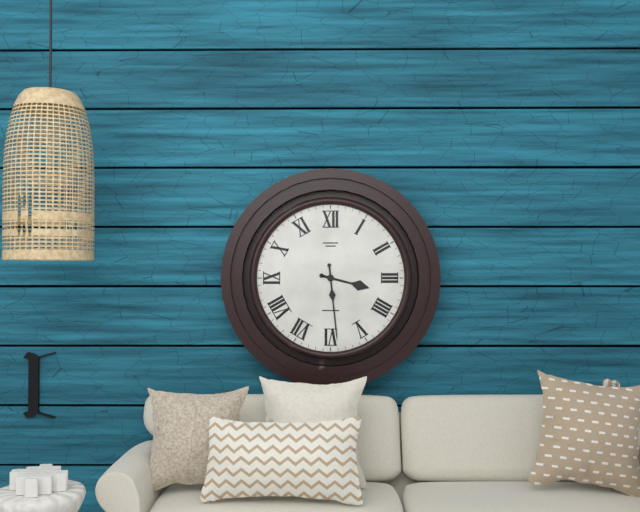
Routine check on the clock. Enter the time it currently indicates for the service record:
3:29
